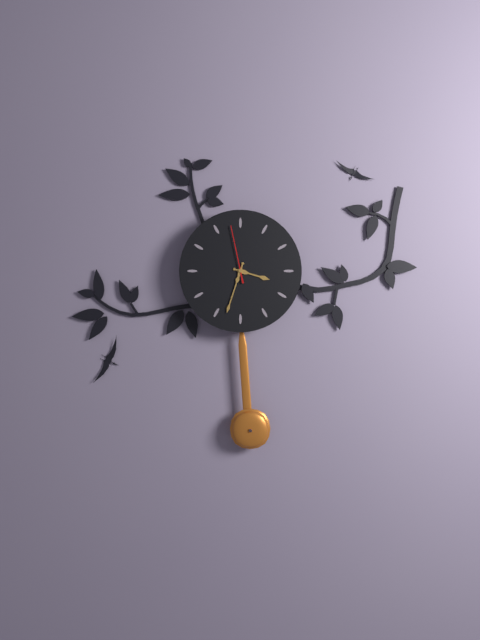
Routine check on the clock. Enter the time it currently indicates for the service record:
3:33:58
